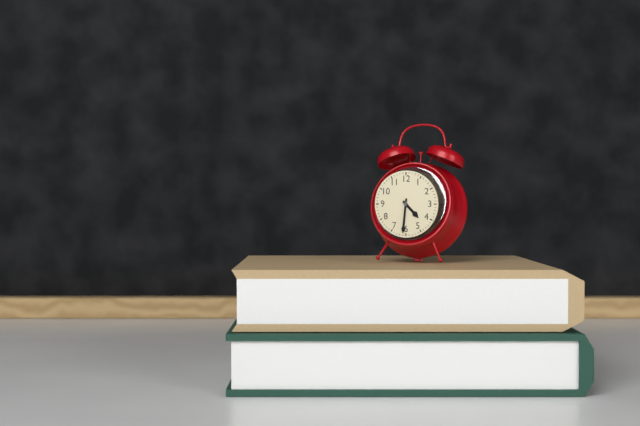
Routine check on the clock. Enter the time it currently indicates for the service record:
4:31
